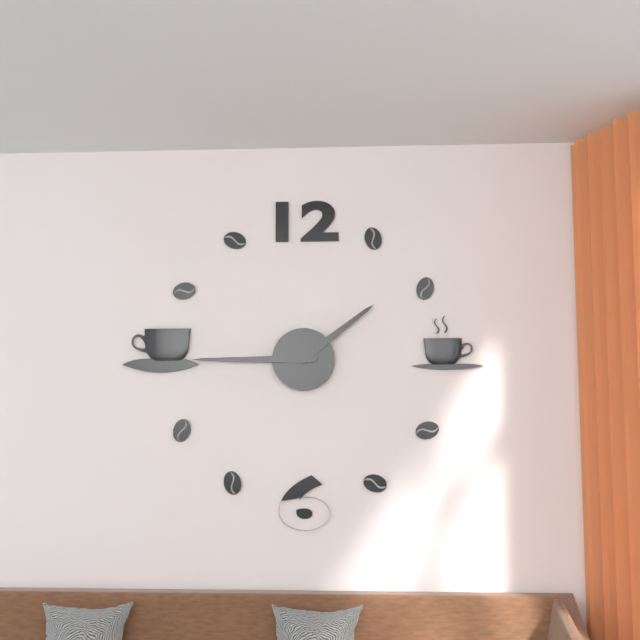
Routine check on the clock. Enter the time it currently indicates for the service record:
1:45
